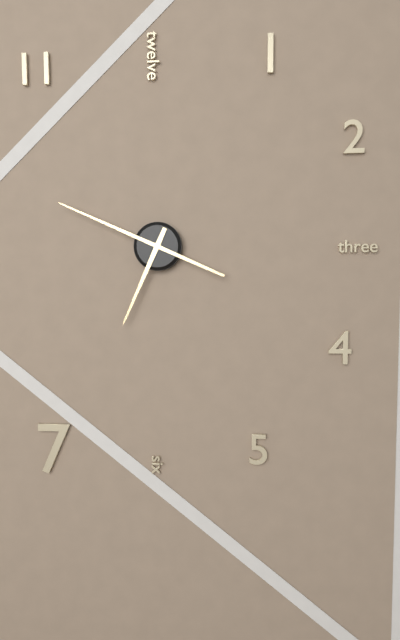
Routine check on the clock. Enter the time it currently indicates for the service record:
6:49
